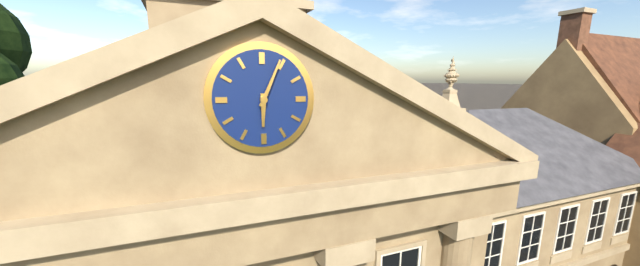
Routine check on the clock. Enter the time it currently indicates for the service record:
6:04
